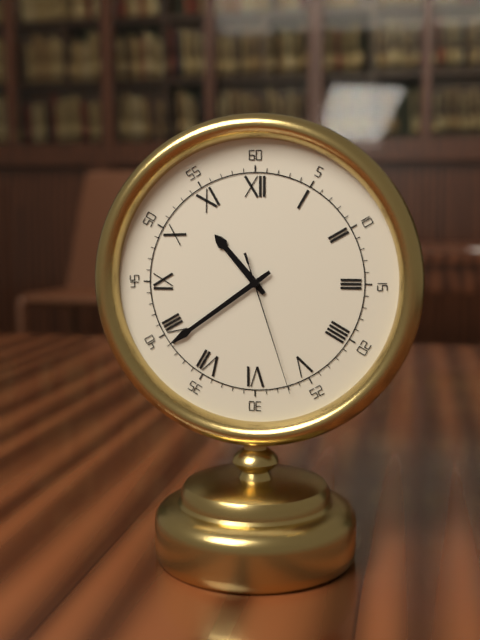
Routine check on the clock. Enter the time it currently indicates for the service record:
10:39:27
